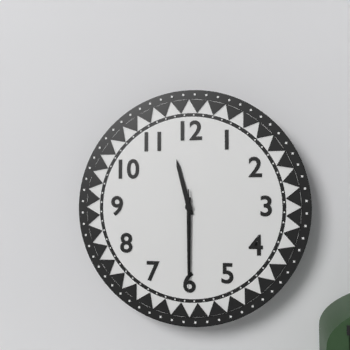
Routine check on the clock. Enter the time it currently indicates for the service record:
11:30:30
